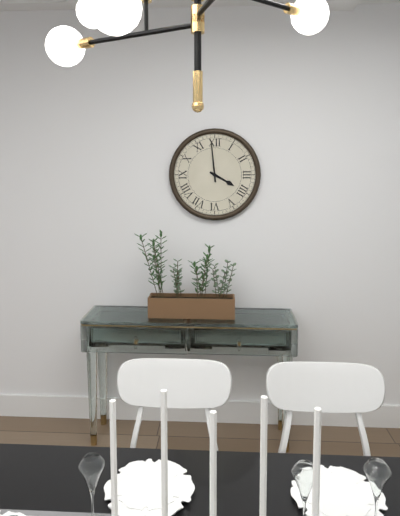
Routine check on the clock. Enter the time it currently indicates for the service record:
3:59
